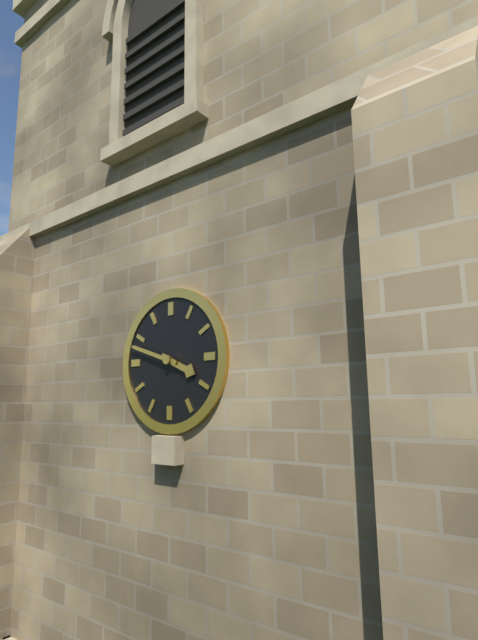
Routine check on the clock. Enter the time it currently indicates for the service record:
3:48
